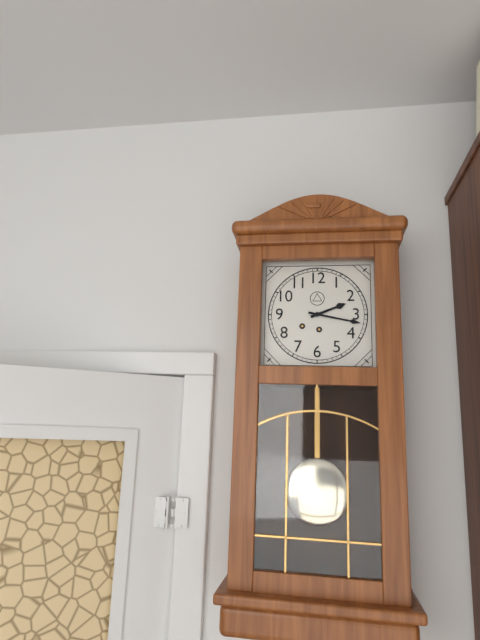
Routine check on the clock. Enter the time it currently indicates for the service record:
2:17
